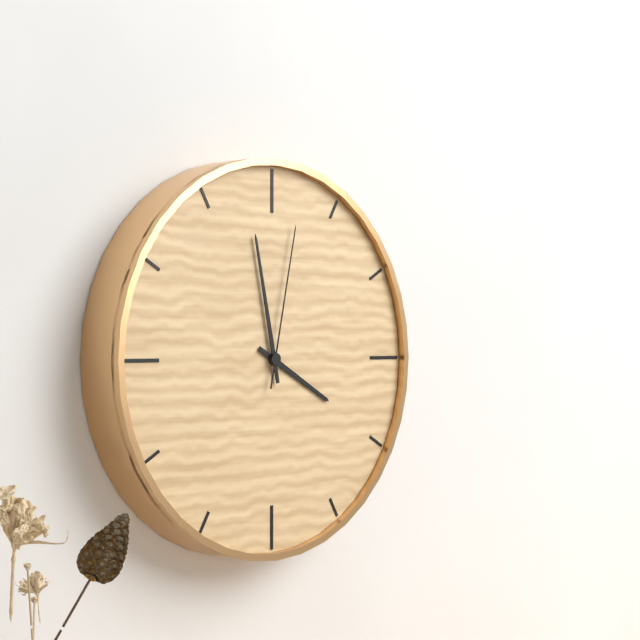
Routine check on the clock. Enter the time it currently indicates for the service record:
3:58:02
